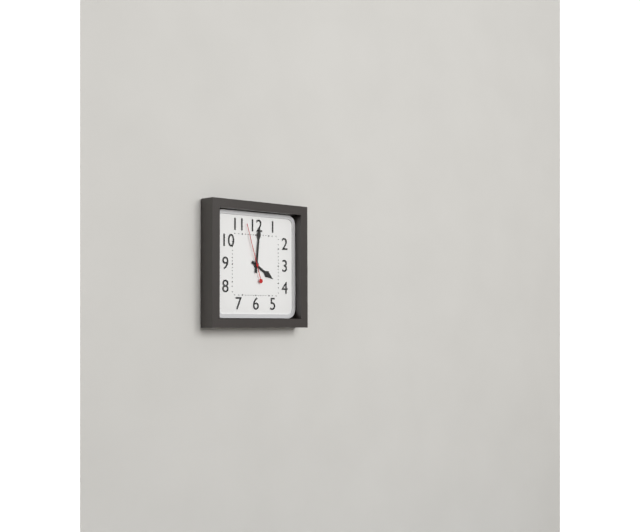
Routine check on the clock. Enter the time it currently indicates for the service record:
4:01:57
